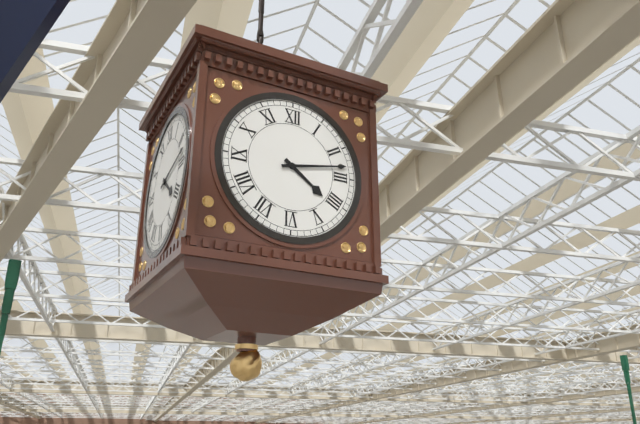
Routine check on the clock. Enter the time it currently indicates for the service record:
4:13
